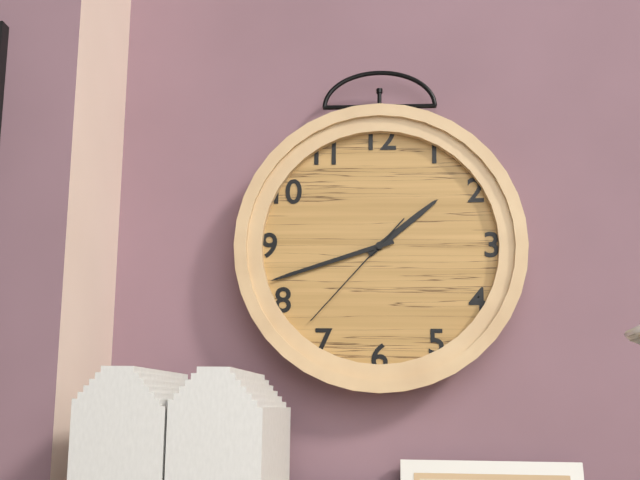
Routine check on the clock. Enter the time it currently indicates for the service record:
1:42:37
